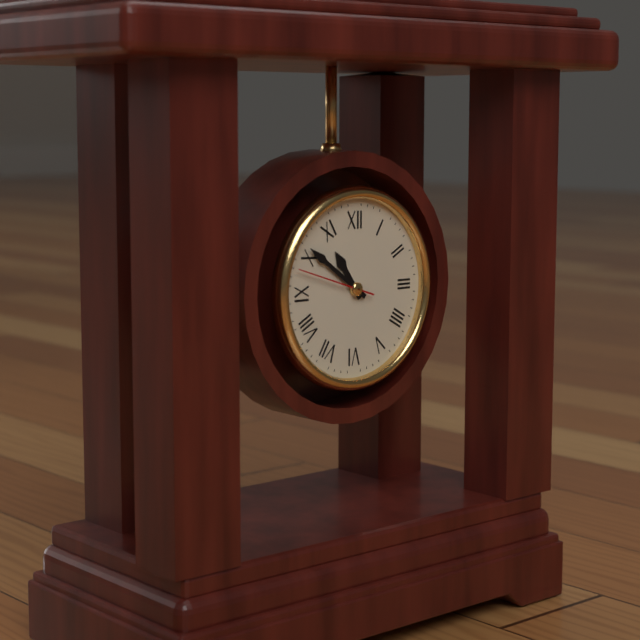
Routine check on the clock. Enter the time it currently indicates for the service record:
10:51
